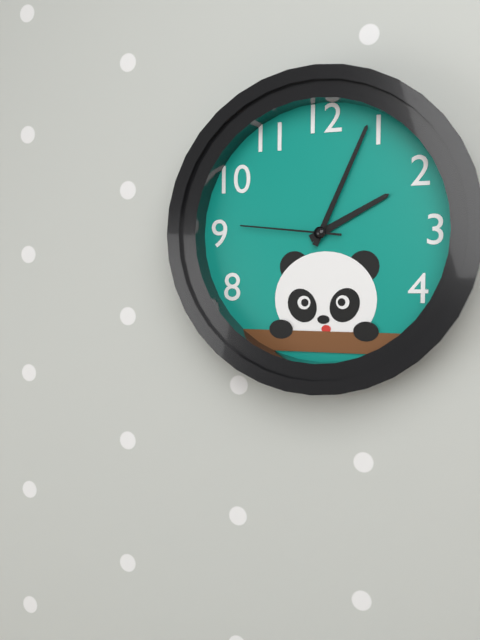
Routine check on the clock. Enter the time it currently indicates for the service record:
2:04:46
